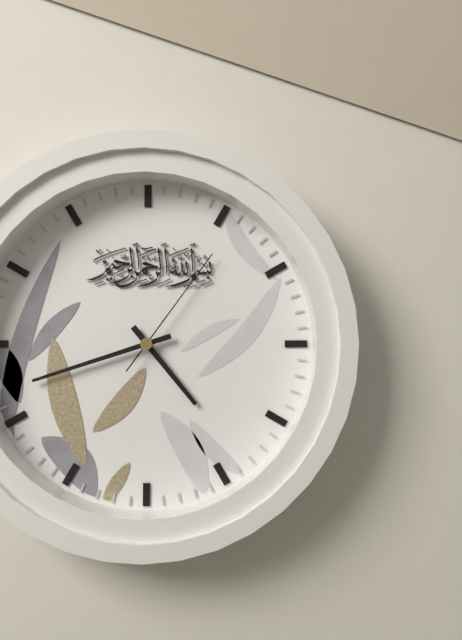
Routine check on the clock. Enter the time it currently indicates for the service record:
4:42:06
